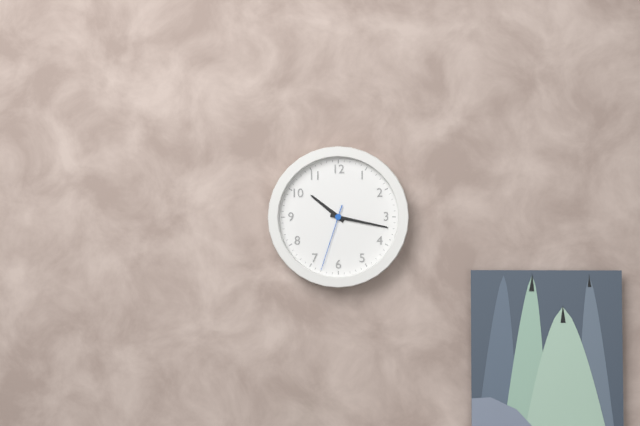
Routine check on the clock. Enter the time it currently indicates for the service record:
10:17:33
